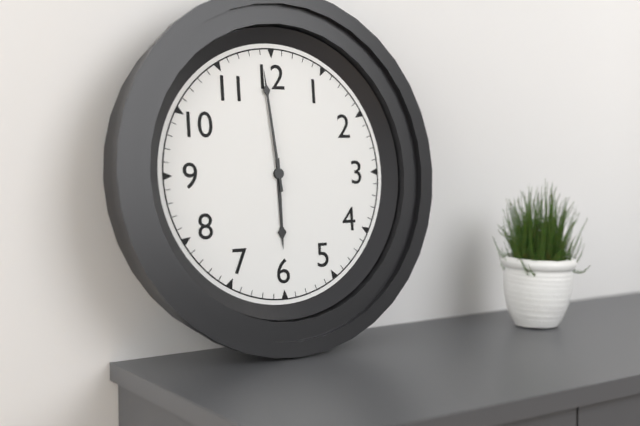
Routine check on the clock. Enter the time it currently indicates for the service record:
5:59
